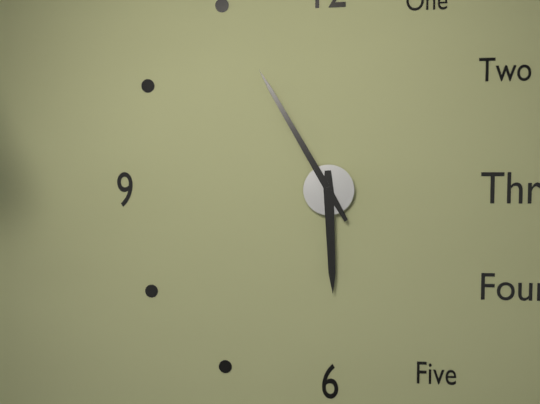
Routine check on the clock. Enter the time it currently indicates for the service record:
5:55
